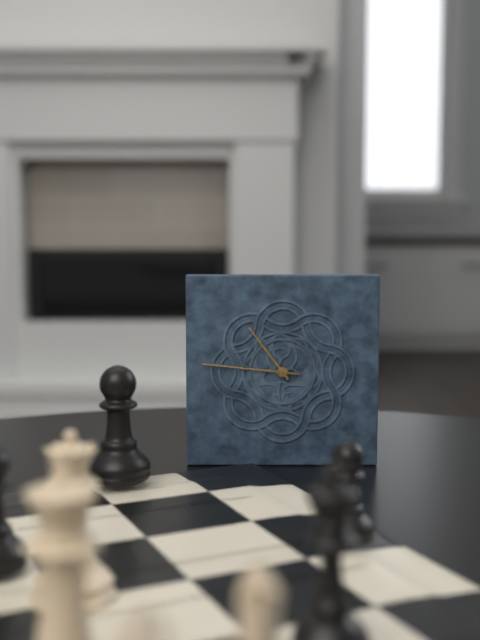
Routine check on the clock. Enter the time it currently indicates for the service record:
10:46
